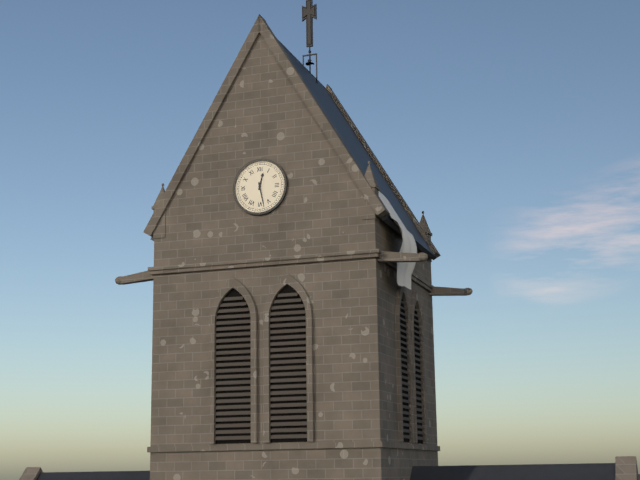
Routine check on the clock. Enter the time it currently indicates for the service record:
12:28
